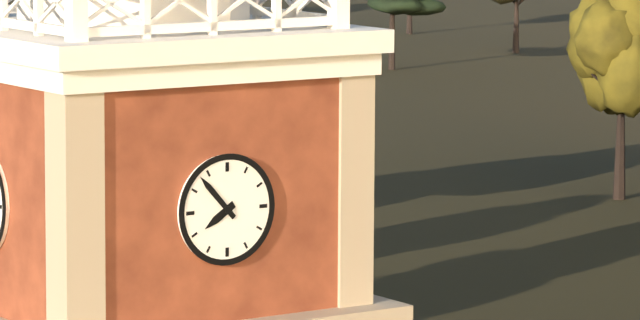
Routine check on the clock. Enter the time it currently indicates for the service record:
7:53
